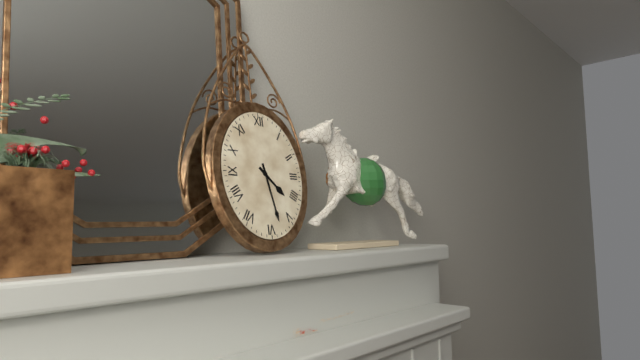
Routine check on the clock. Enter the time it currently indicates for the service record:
4:28
